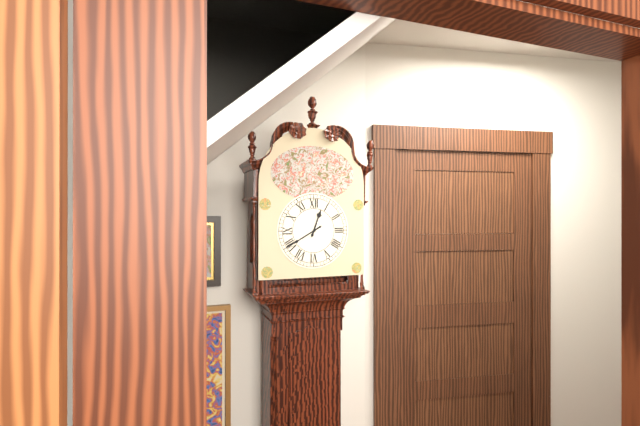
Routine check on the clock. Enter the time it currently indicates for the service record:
12:40
